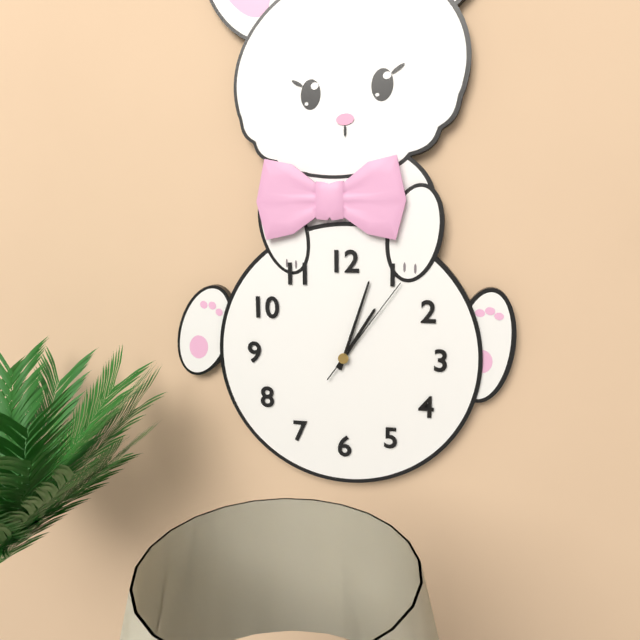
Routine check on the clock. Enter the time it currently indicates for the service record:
1:03:06
